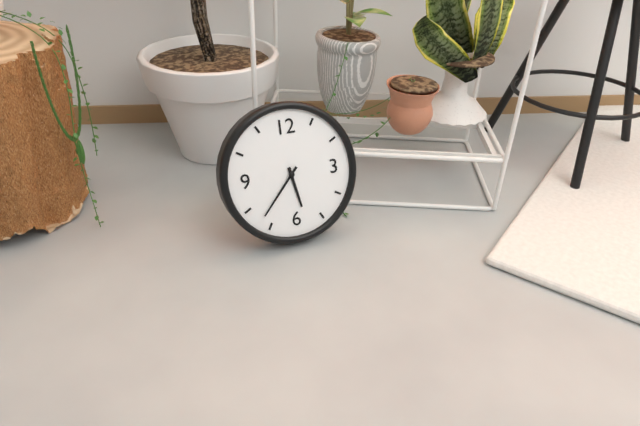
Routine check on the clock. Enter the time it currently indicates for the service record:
5:37
